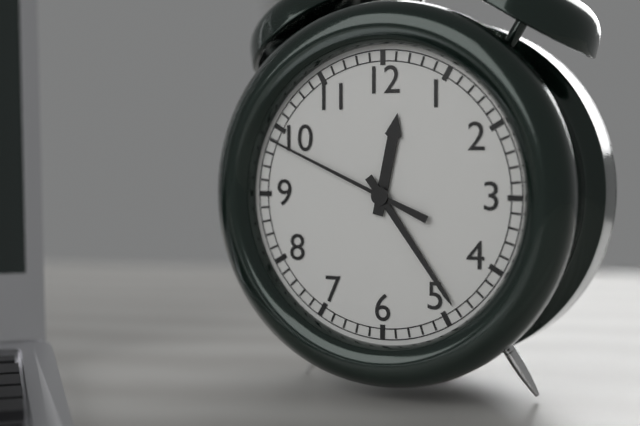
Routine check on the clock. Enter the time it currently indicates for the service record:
12:24:49
